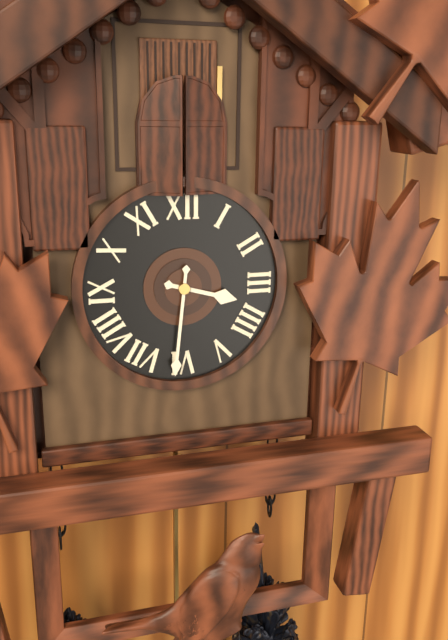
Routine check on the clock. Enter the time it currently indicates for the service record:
3:31
